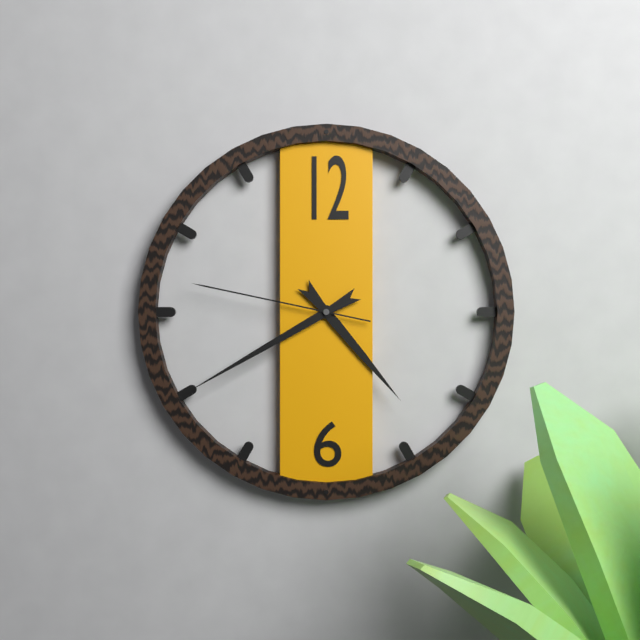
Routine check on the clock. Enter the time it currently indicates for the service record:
4:40:47
